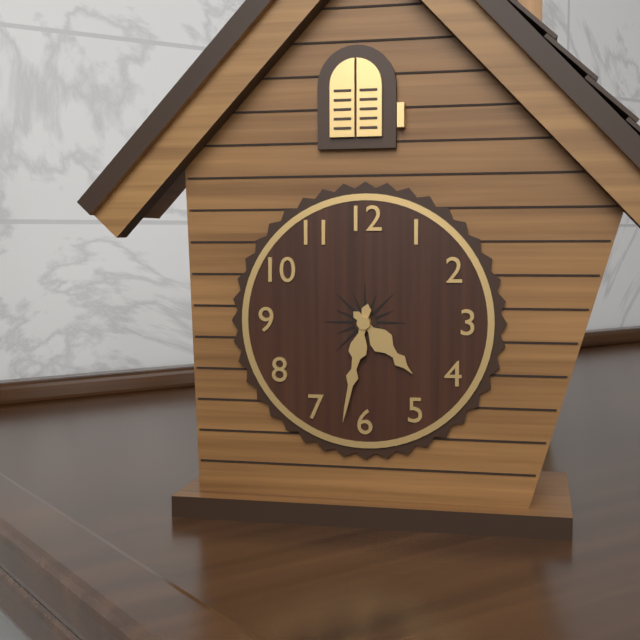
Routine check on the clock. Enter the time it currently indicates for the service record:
4:32
